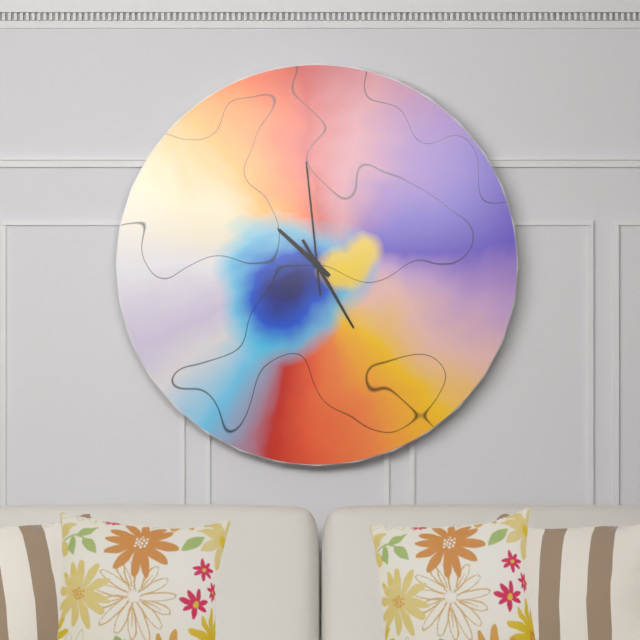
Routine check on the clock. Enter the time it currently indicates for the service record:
10:25:59
